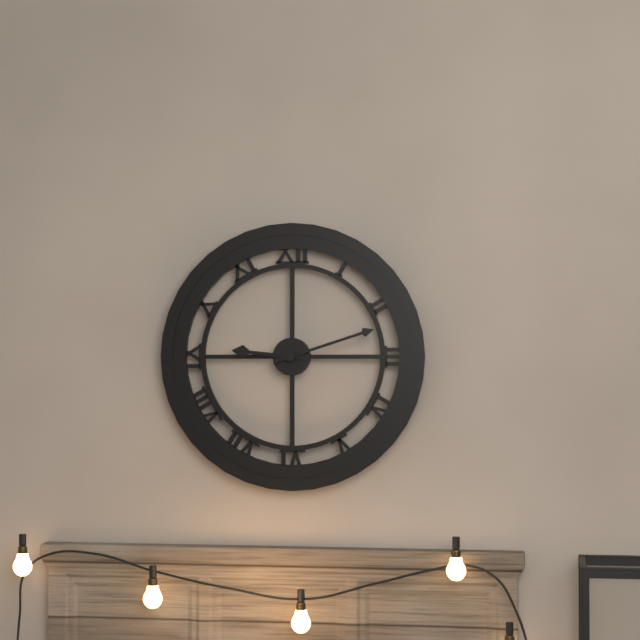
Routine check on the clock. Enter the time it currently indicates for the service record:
9:12
